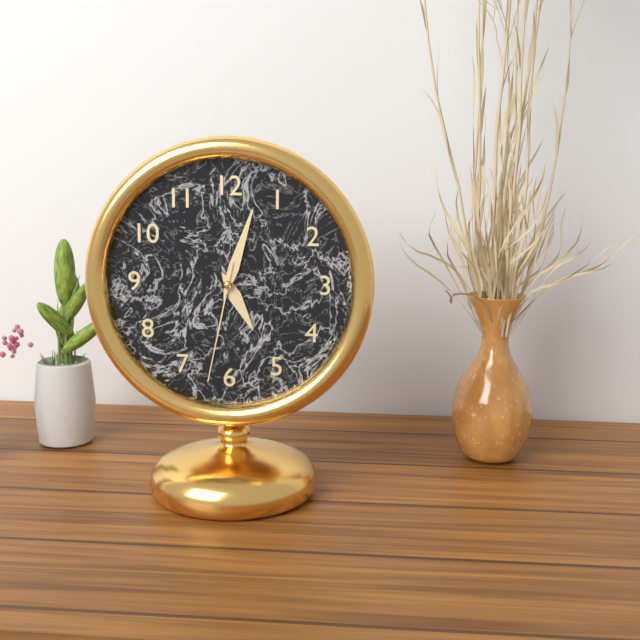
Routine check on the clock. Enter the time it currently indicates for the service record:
5:03:32
